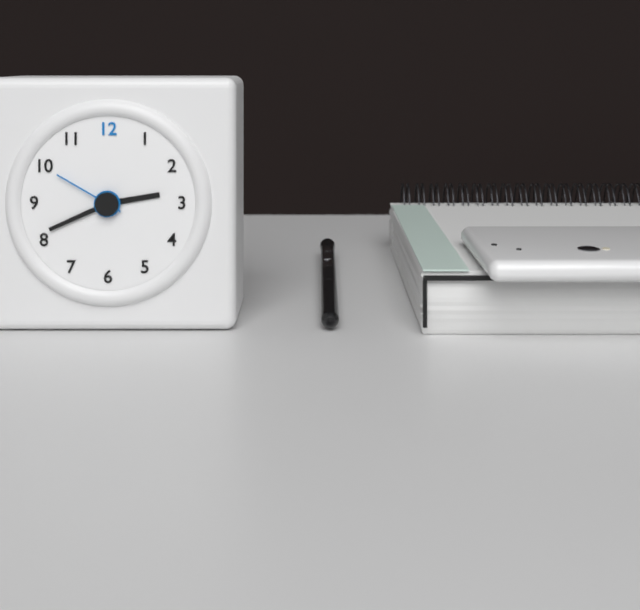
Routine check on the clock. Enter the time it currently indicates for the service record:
2:41:50
